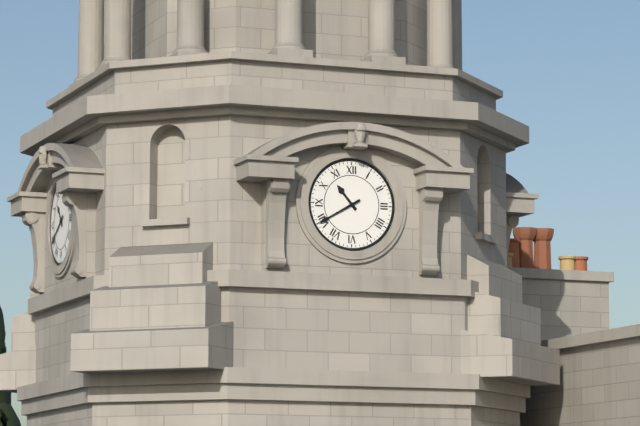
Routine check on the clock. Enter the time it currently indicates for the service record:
10:40
